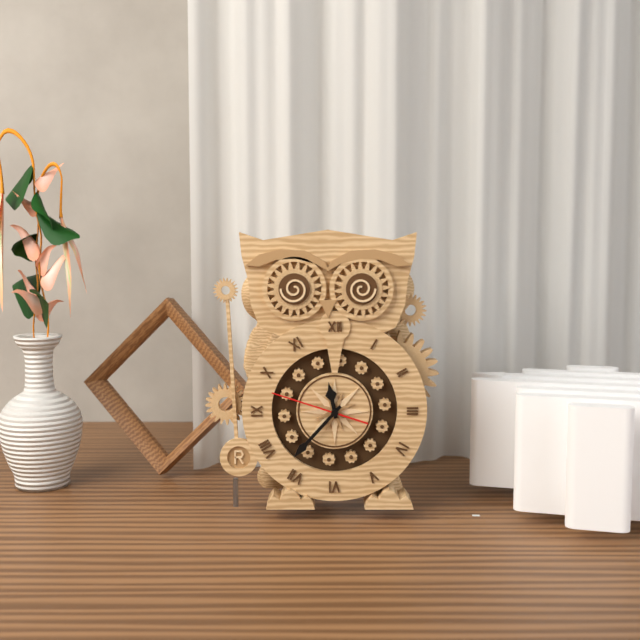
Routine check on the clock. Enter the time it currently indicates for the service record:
11:37:48
